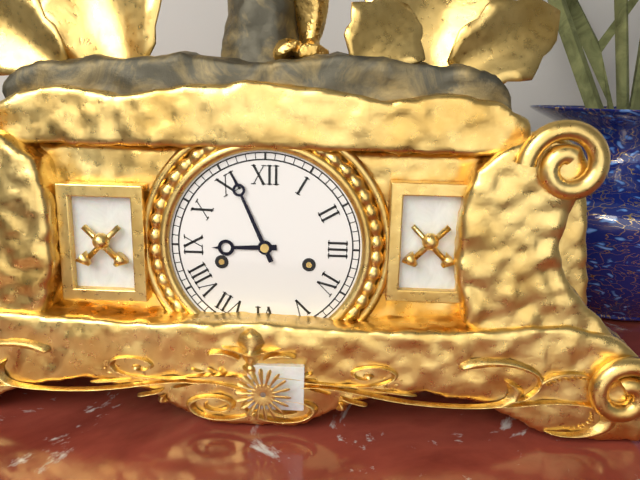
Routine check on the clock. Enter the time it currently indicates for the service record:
8:56
